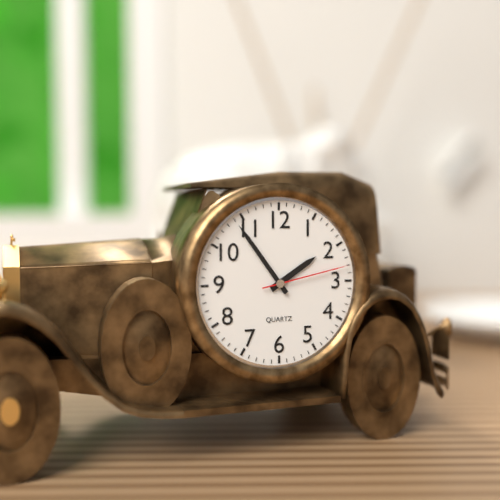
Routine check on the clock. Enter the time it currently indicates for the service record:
1:54:13
